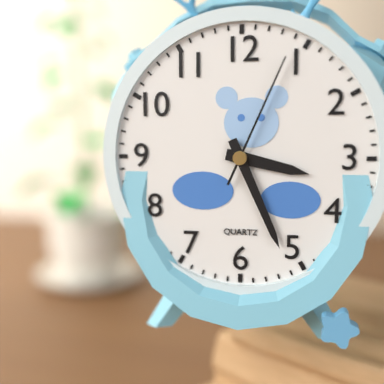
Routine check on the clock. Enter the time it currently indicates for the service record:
3:26:04
